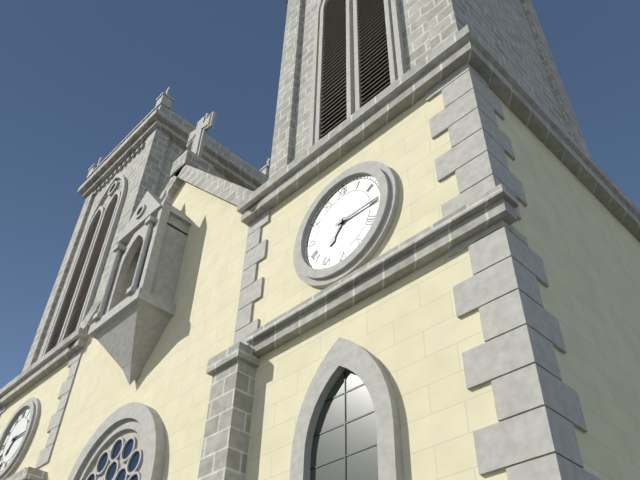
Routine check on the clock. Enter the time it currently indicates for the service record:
7:15
